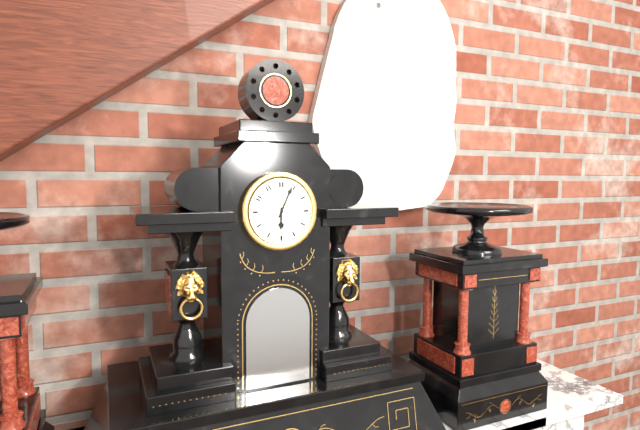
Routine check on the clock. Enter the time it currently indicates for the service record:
6:04
